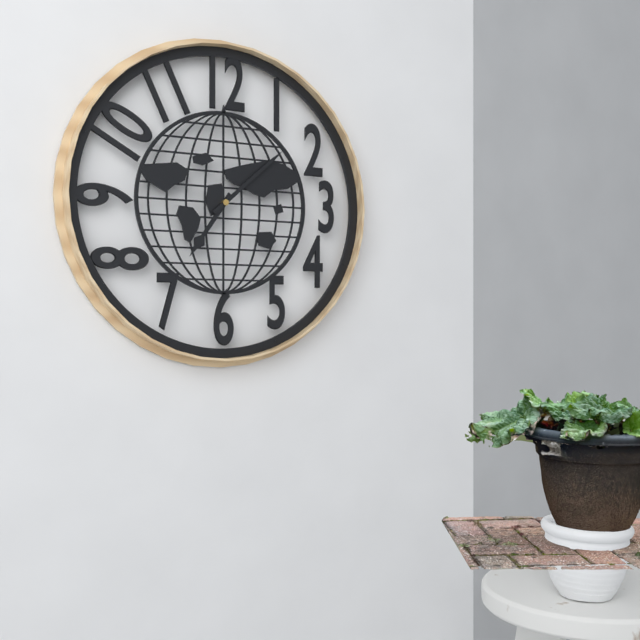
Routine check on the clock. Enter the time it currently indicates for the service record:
7:08
